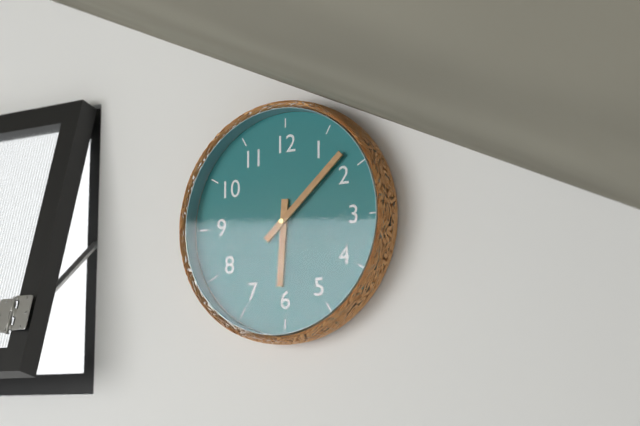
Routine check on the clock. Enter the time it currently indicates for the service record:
6:08
